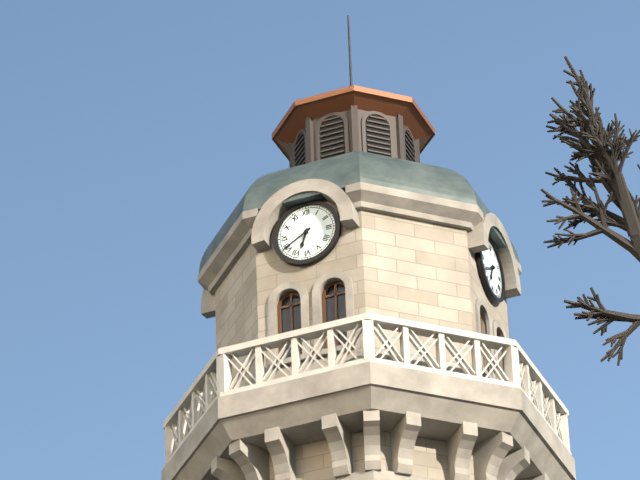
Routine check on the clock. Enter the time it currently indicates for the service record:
6:40
